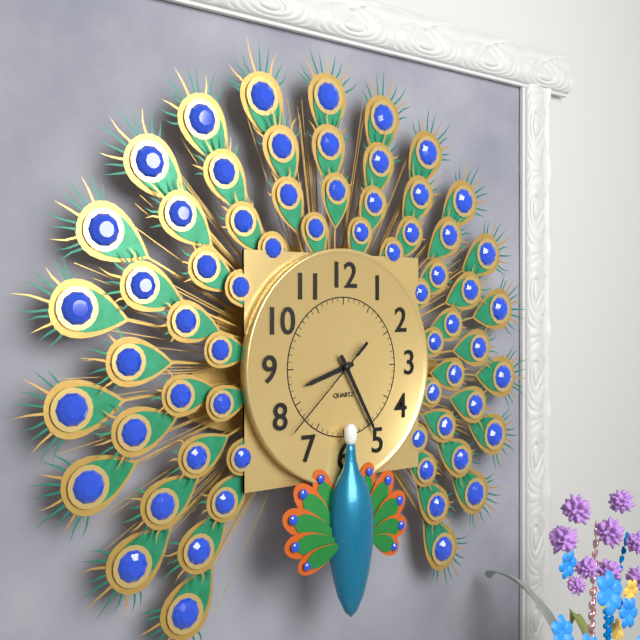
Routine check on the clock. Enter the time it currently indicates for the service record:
8:25:38
